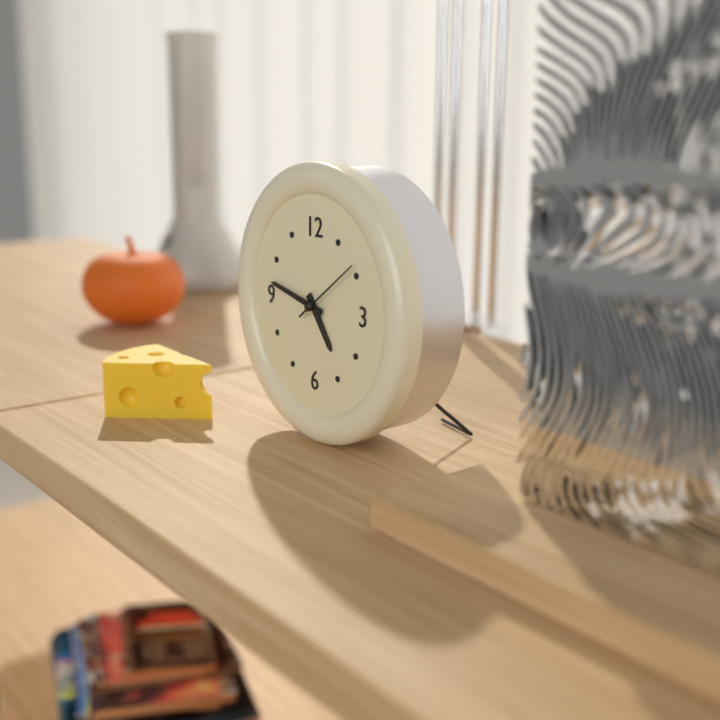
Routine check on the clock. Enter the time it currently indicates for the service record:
4:47:09
